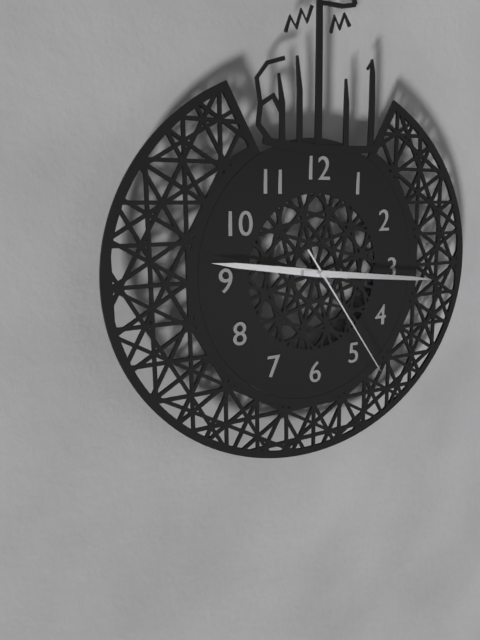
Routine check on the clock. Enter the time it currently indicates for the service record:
9:16:24
